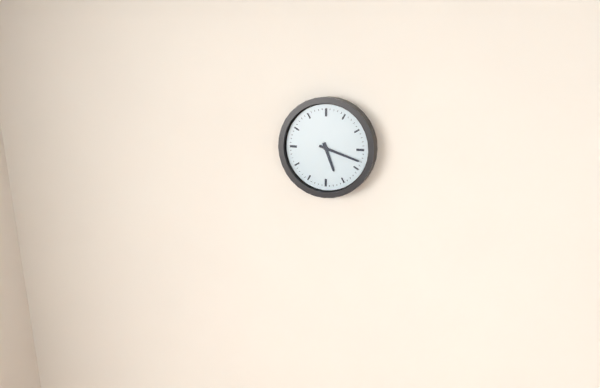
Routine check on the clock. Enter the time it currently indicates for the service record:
5:18
